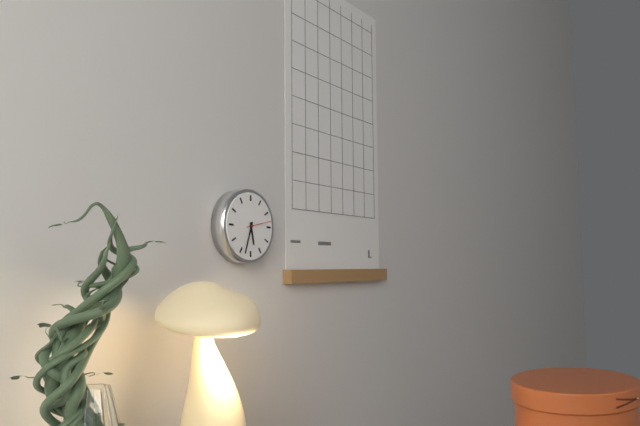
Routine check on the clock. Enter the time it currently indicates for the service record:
5:33
